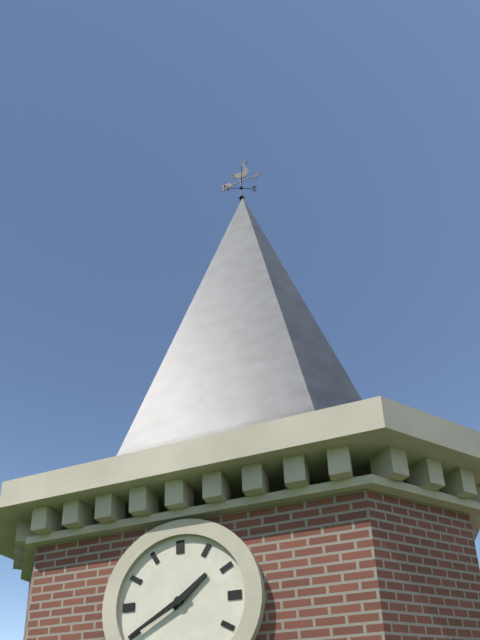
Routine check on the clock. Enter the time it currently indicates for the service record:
1:40
